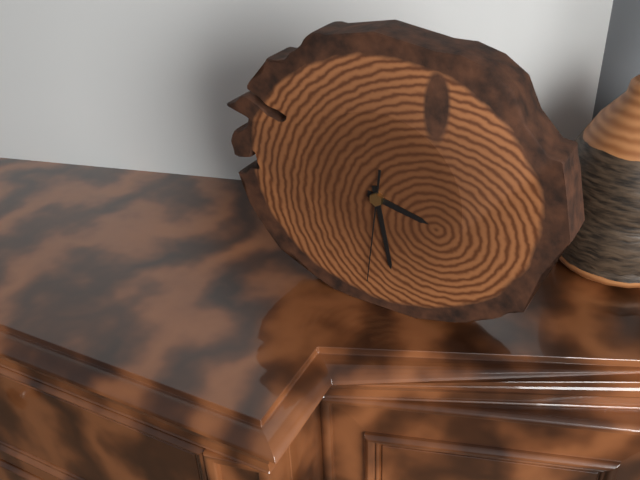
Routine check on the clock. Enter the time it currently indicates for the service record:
3:28:31
